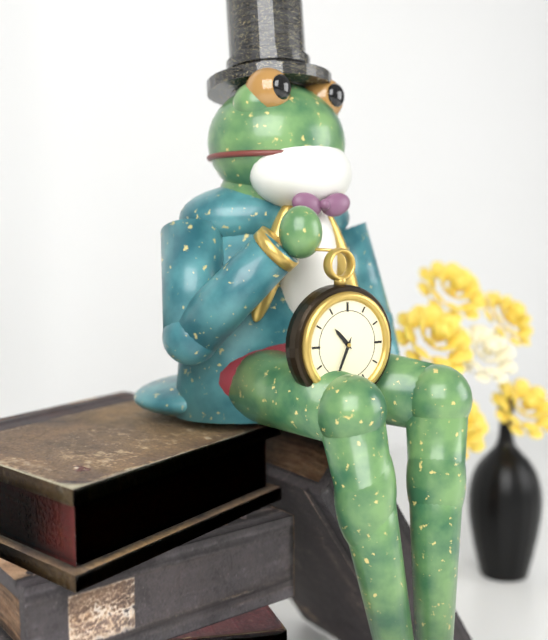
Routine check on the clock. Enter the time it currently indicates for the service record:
10:34
